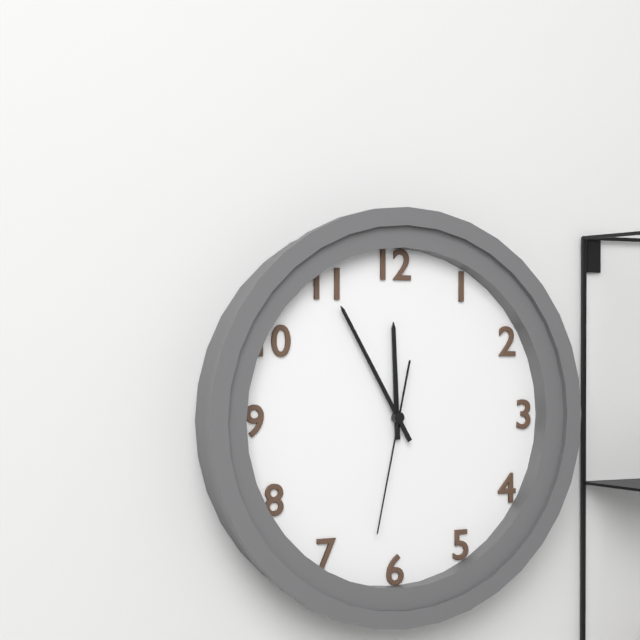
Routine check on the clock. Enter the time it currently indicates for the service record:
11:55:32
